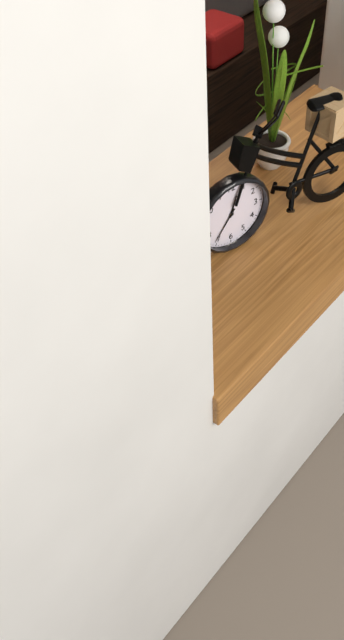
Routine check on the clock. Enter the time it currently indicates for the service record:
12:36
